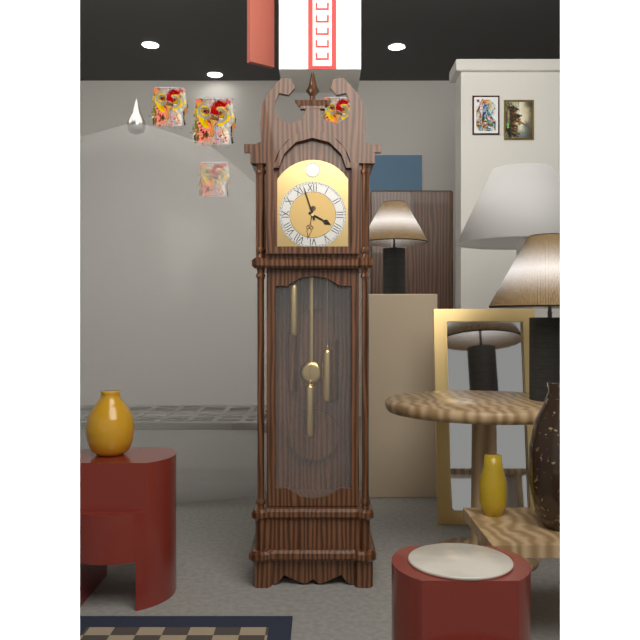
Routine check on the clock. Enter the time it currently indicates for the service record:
3:57
